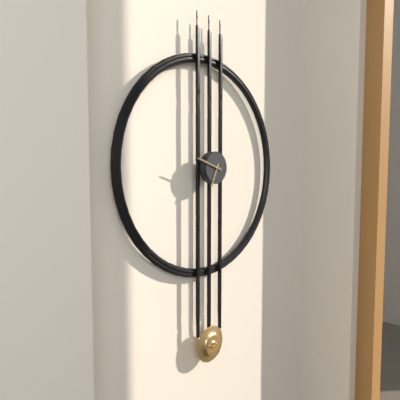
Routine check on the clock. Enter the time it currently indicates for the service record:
6:48
